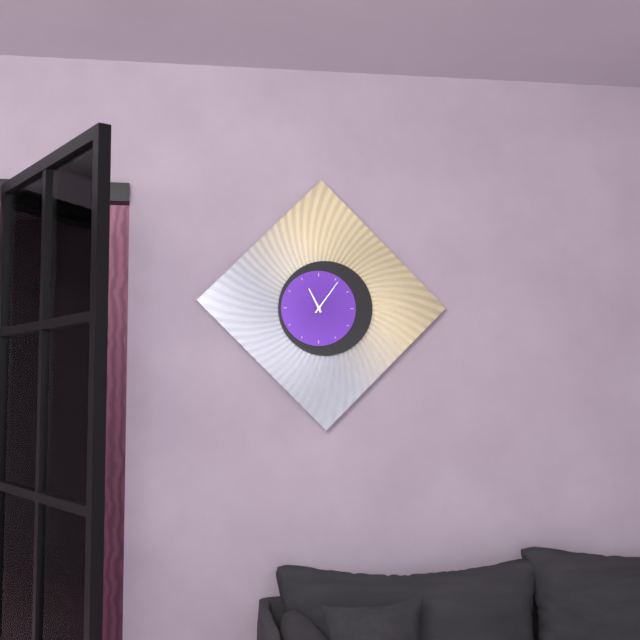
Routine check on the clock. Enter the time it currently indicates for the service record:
11:06
